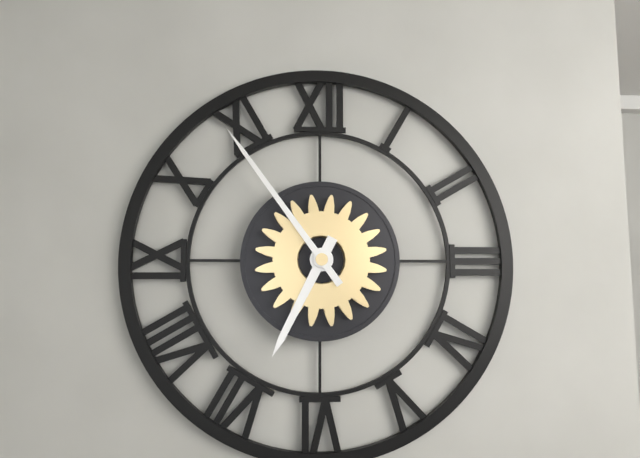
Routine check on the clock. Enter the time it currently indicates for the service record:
6:54
